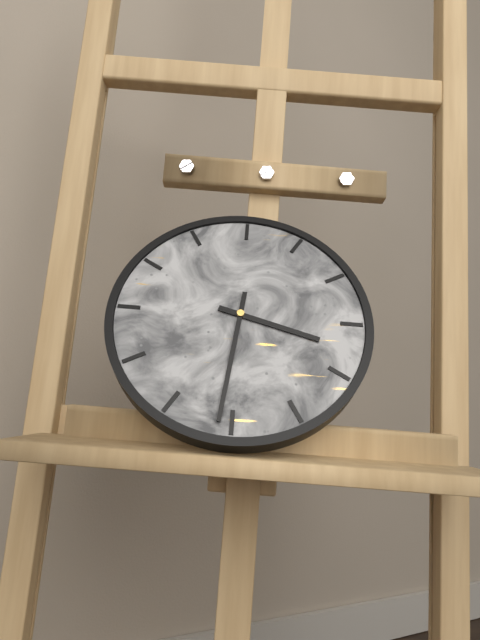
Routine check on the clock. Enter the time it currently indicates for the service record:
3:31
